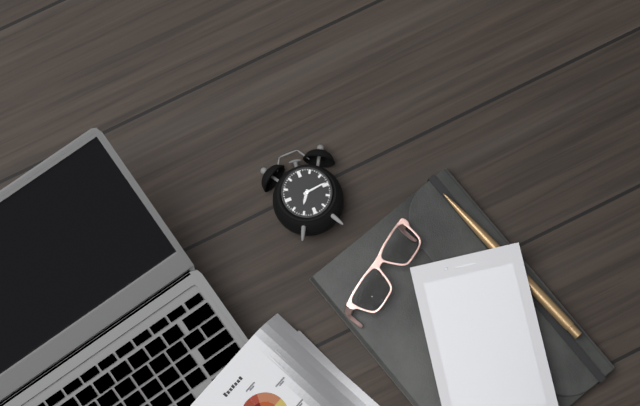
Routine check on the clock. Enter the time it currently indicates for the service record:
7:14
